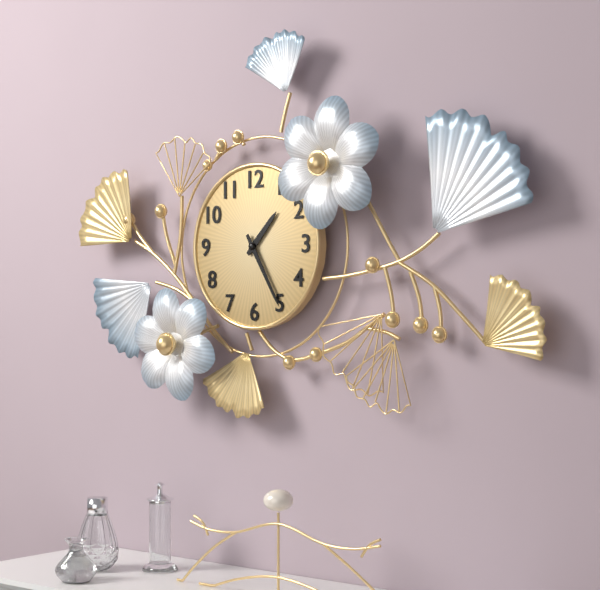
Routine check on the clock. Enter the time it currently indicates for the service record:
1:25
